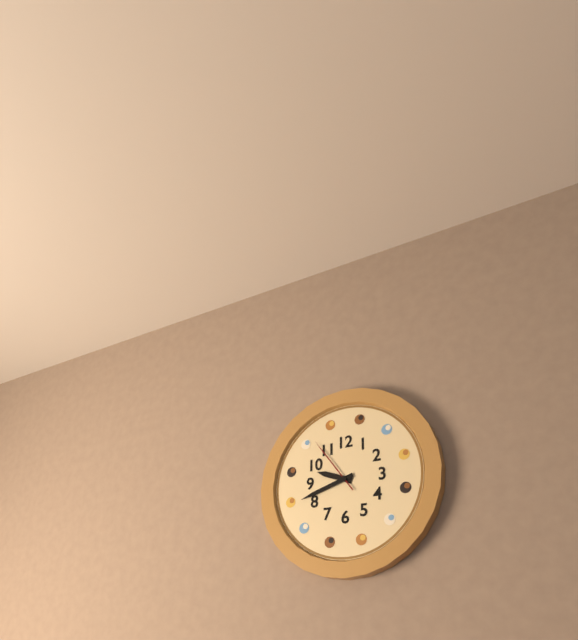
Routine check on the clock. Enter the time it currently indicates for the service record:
9:42:54
